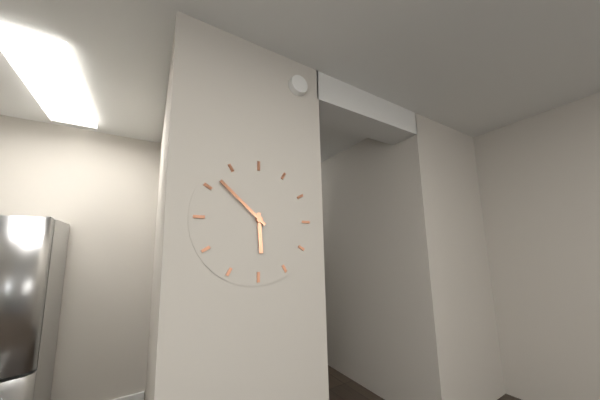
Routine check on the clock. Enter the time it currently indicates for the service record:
5:52
